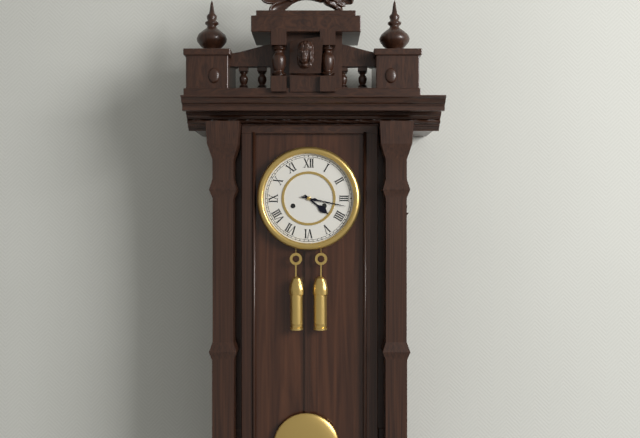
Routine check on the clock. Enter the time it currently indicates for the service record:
4:17
